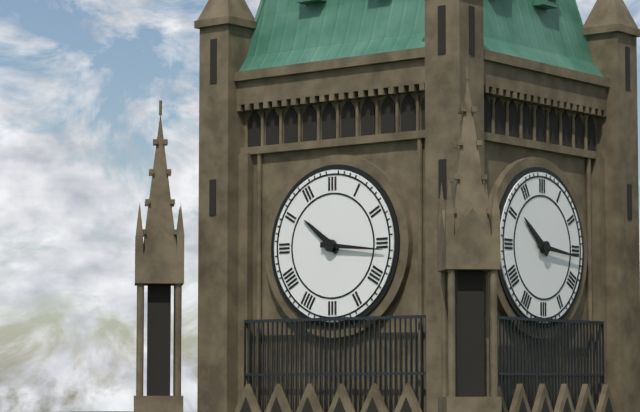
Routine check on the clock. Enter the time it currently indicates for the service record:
10:16
